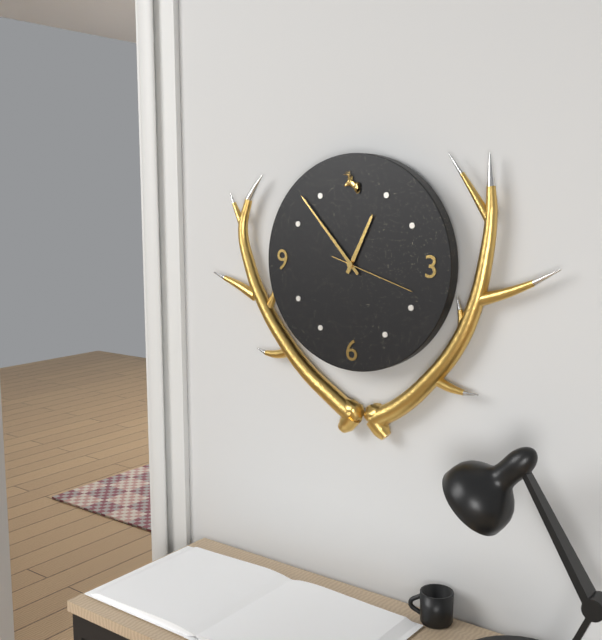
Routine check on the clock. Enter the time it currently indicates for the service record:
12:53:18
